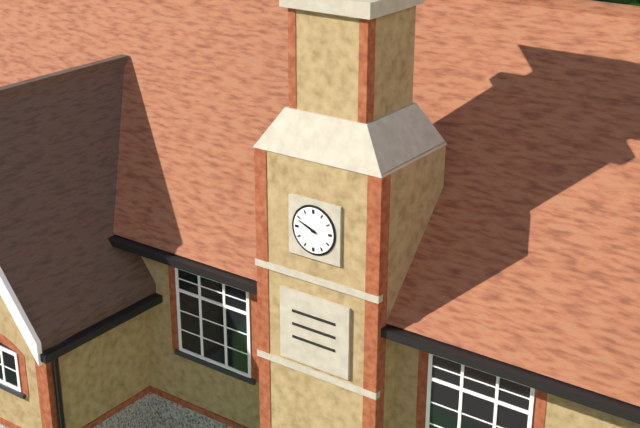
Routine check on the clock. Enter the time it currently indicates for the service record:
9:49
